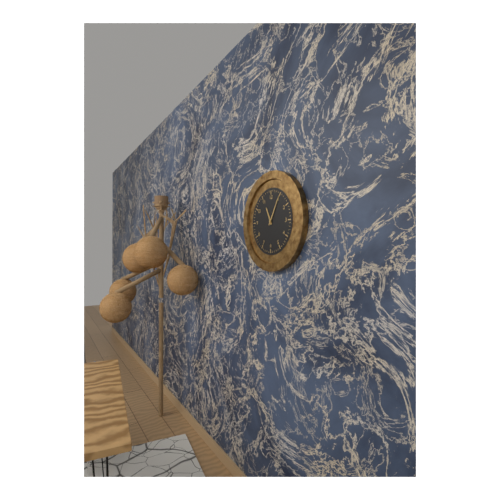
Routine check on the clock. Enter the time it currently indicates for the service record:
11:05
